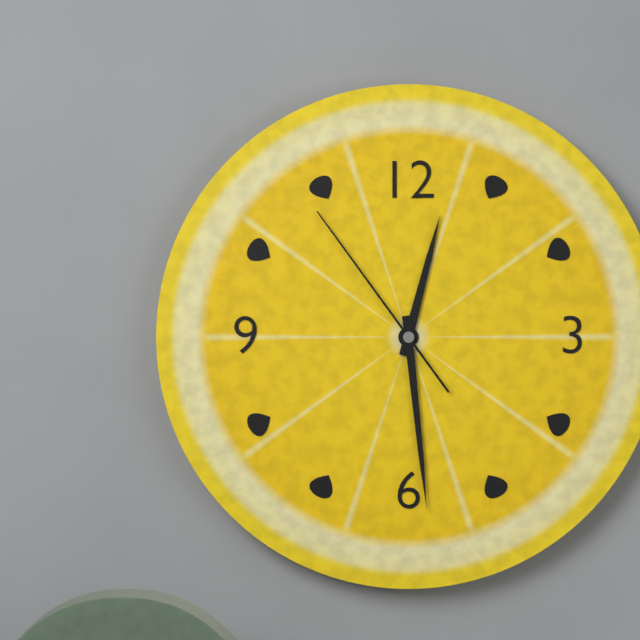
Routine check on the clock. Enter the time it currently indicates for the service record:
12:29:54
